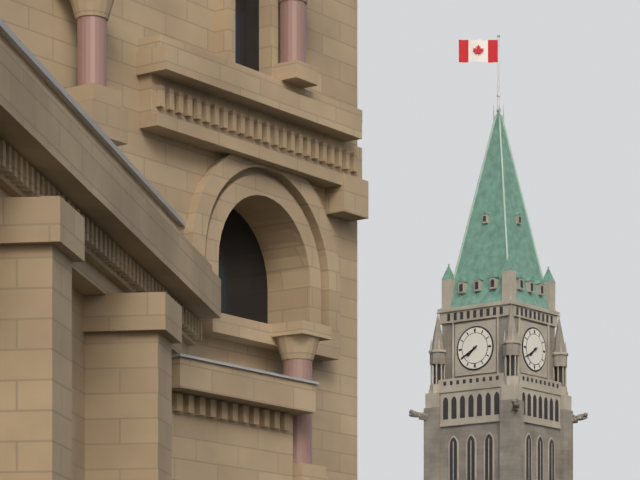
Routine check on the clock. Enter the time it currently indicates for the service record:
7:40
